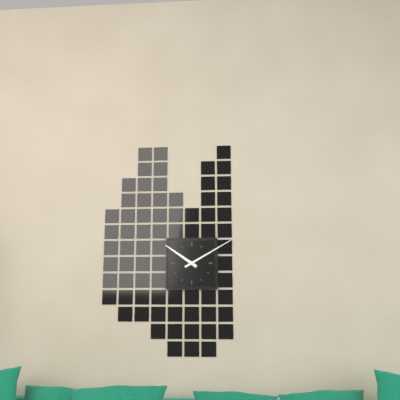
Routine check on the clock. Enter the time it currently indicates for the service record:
10:10
